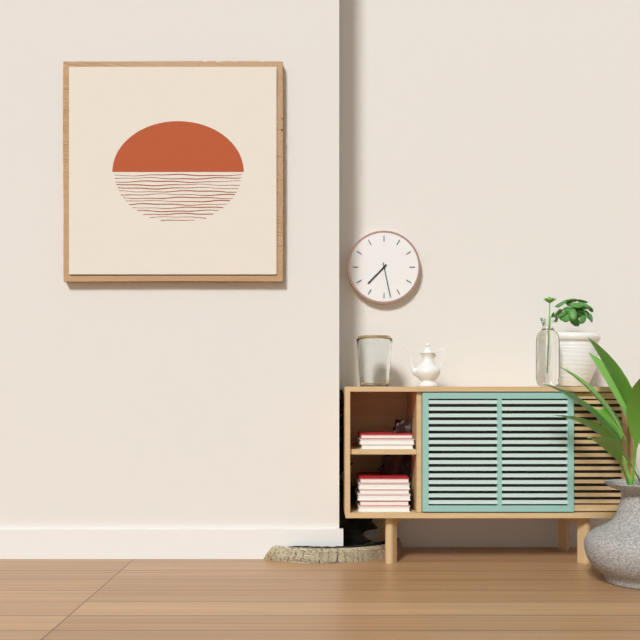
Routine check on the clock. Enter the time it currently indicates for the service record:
7:28
